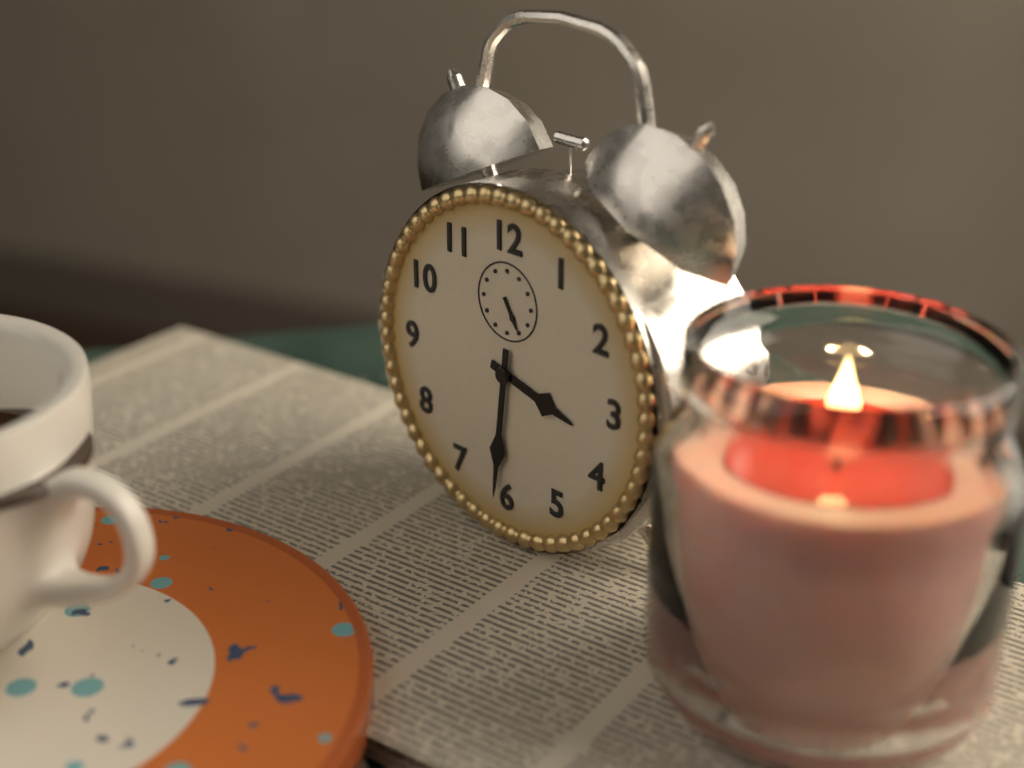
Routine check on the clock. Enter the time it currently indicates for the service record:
3:31
